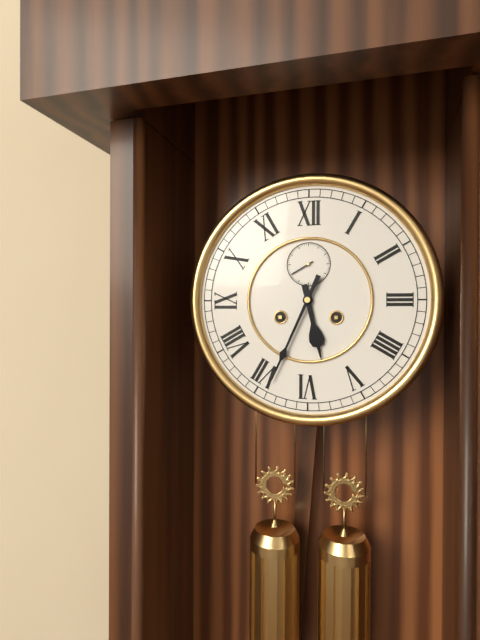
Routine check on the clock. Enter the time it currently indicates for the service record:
5:34
